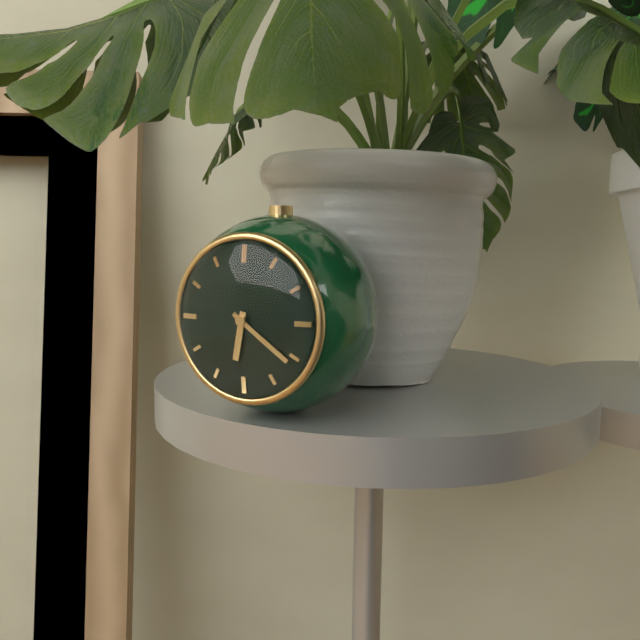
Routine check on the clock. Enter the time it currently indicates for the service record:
6:21
